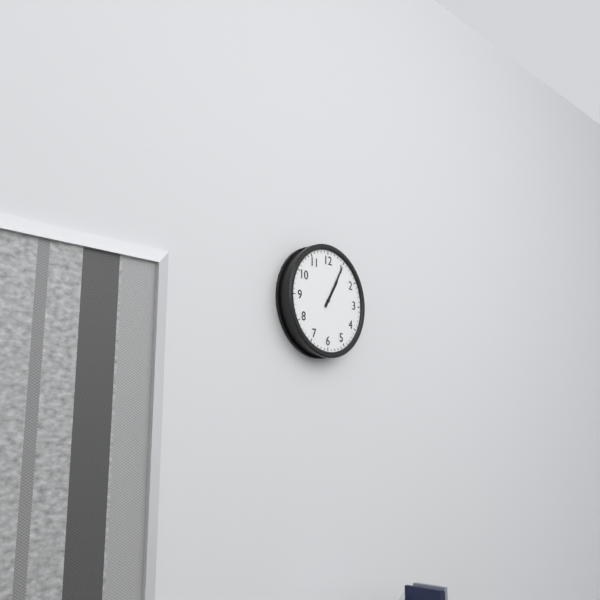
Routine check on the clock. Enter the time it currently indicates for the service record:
1:05
